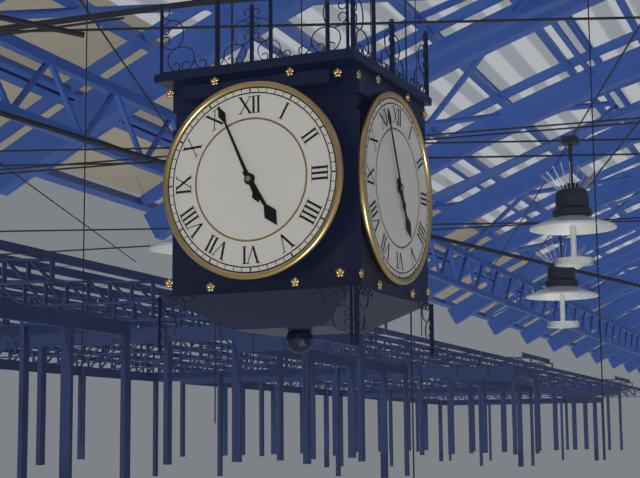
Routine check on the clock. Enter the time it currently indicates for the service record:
4:56
